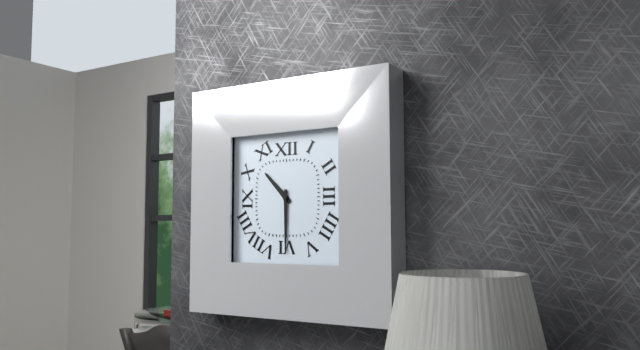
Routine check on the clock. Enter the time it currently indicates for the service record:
10:30
